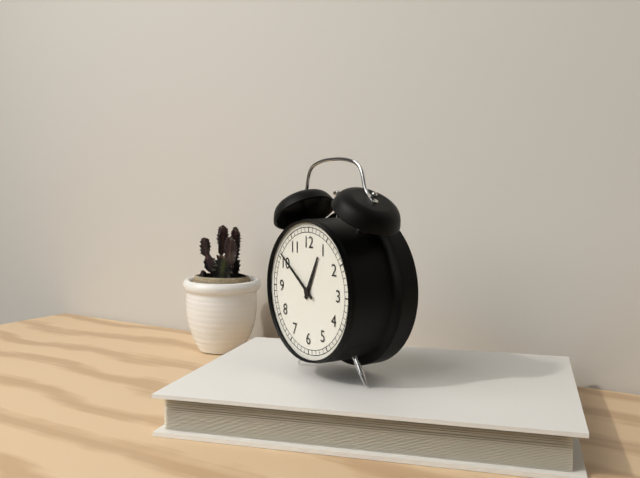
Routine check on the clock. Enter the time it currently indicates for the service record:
12:51
